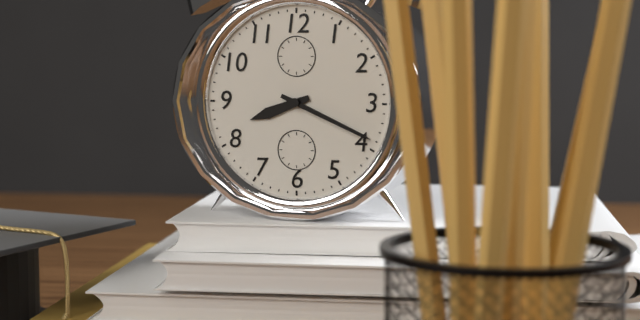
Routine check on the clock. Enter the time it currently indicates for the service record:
8:19
